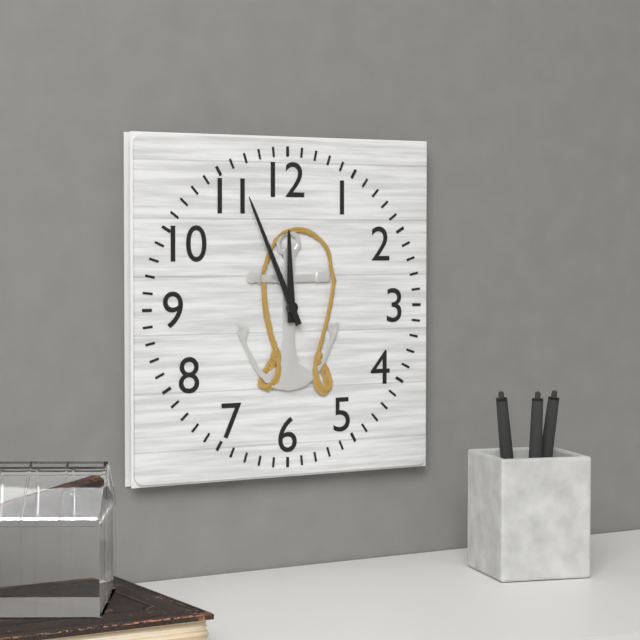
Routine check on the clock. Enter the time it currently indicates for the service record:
11:56
